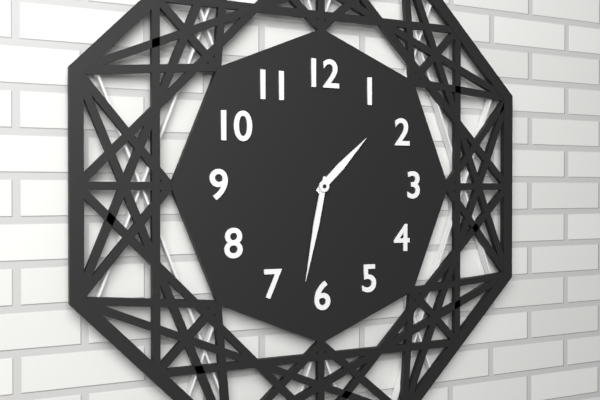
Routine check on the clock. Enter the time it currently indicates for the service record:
1:32
